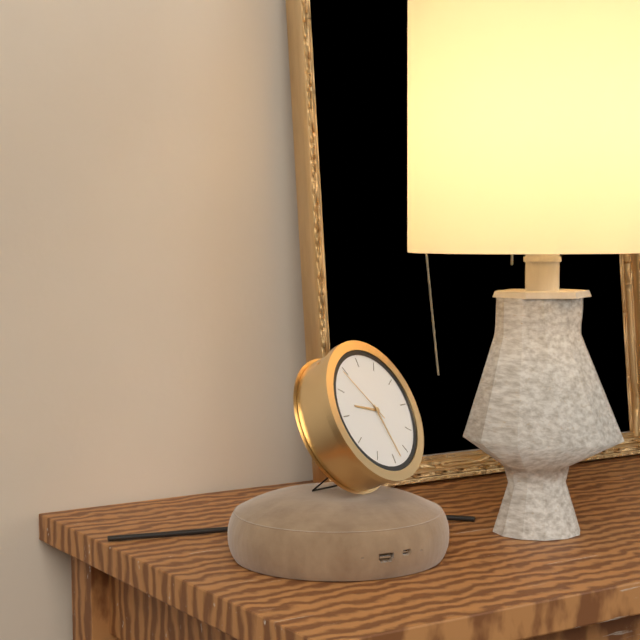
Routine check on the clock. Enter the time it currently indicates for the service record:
9:28:54
